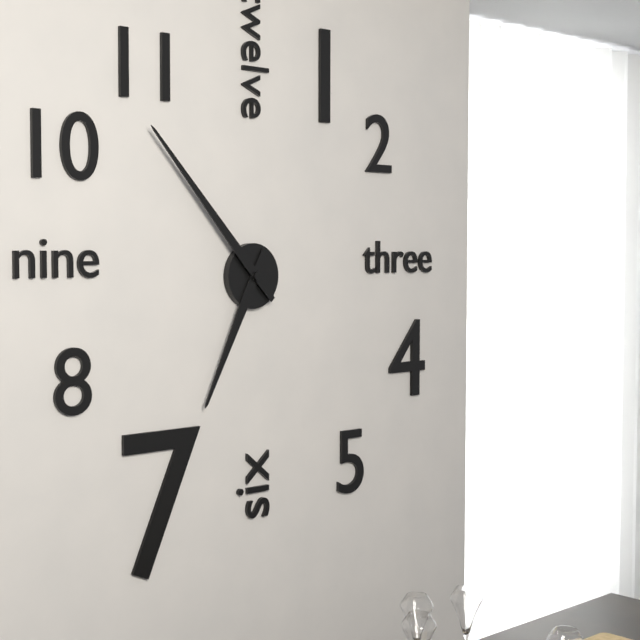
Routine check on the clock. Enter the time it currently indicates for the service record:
6:53
